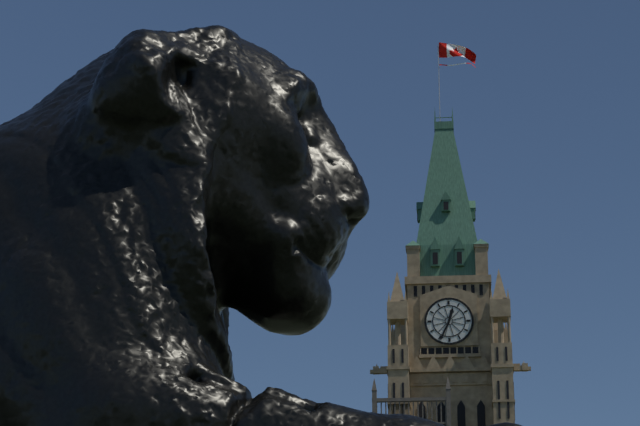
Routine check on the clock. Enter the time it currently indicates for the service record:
12:34
